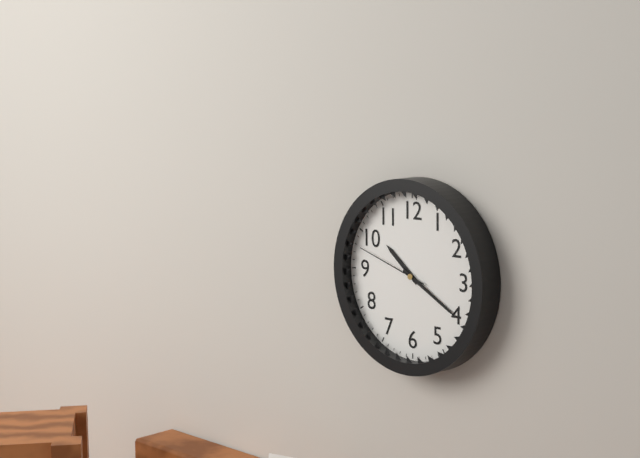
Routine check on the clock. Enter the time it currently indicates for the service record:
10:20:48
